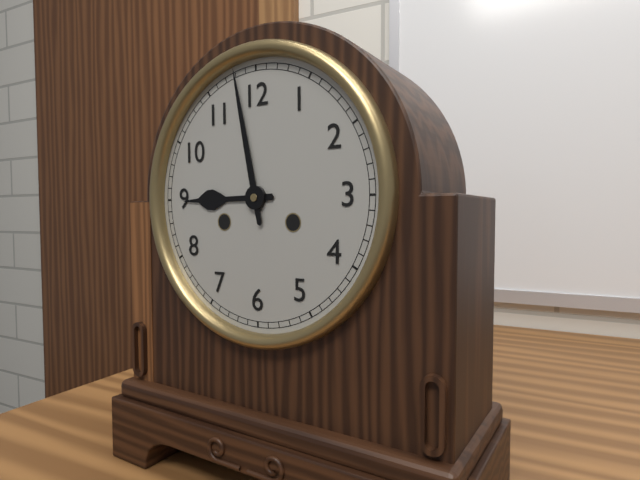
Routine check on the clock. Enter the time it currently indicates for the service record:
8:58
